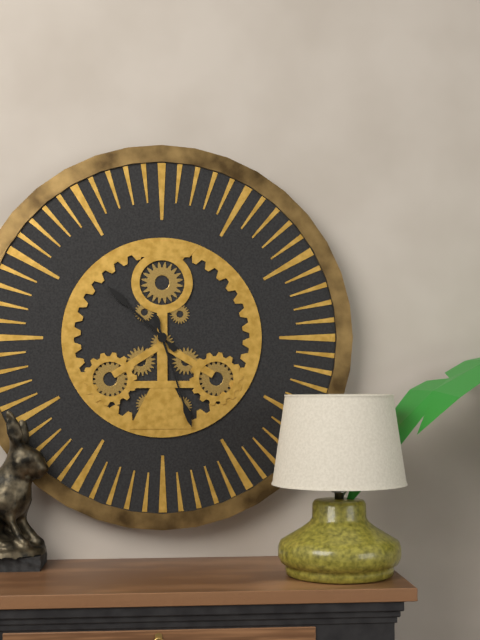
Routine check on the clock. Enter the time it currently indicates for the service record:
10:27
